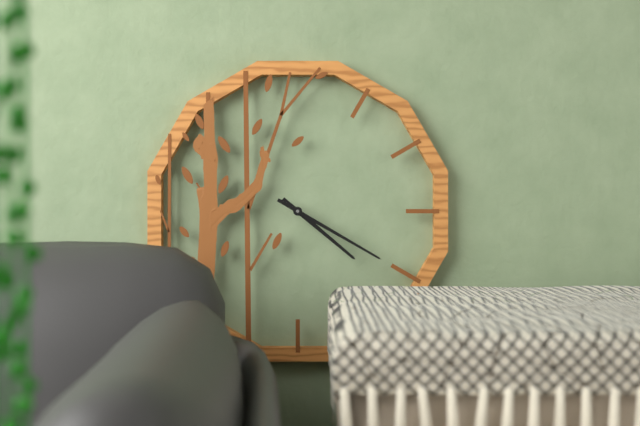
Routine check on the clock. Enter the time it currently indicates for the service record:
4:20
